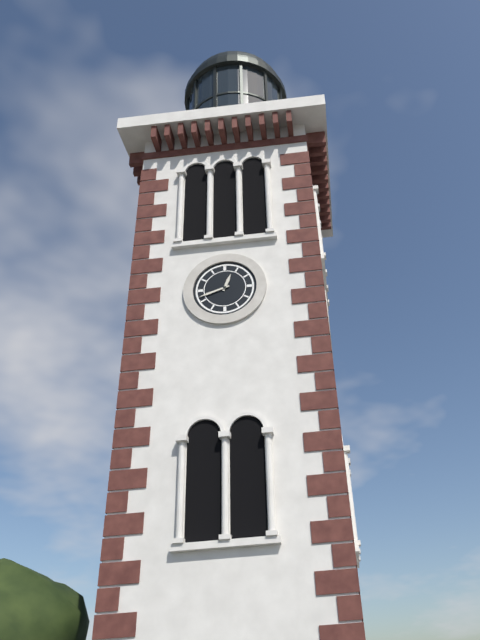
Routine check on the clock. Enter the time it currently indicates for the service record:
12:42
